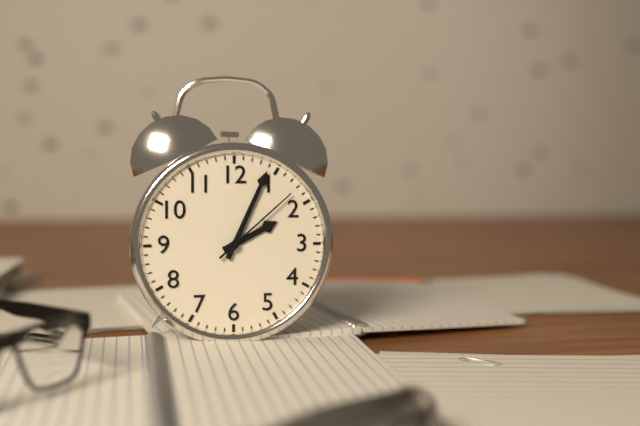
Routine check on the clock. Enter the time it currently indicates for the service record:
2:04:08
